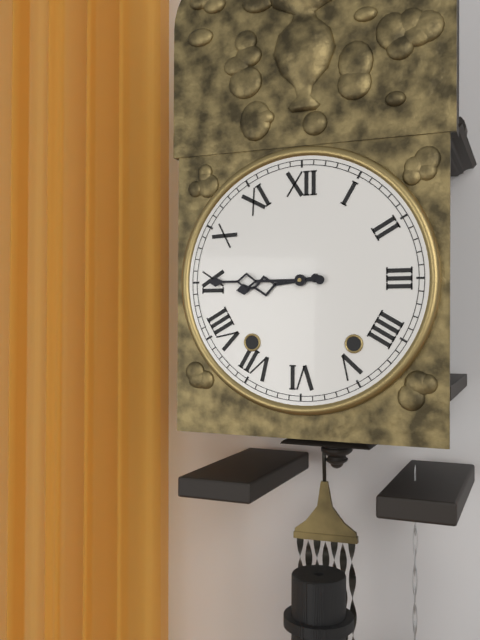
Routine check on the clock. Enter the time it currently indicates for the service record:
8:45
